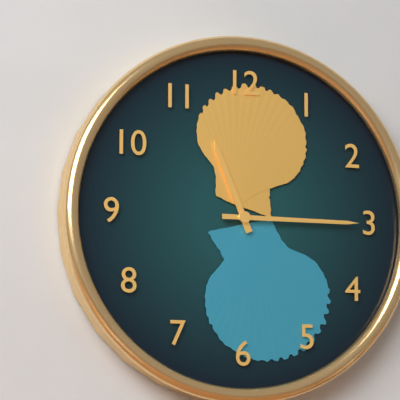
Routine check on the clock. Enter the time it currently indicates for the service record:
11:15
